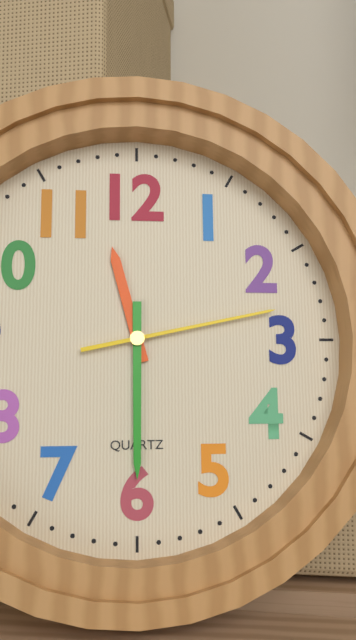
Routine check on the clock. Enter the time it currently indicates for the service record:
11:30:13
